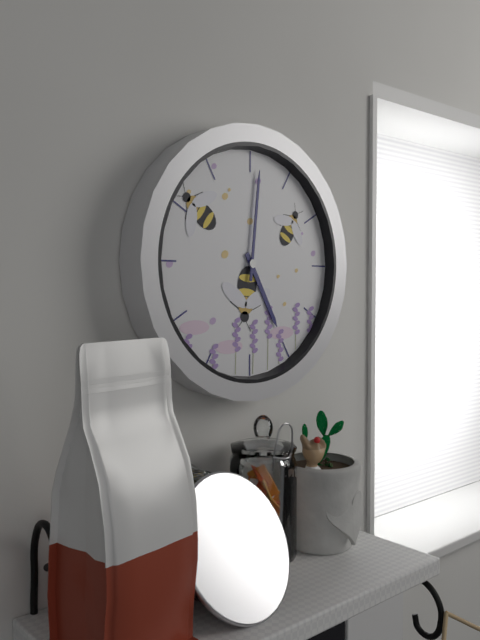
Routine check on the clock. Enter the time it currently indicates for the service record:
5:01
